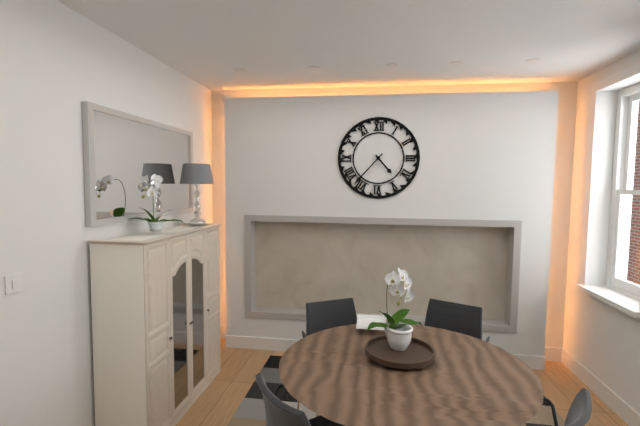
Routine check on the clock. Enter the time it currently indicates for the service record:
4:37
